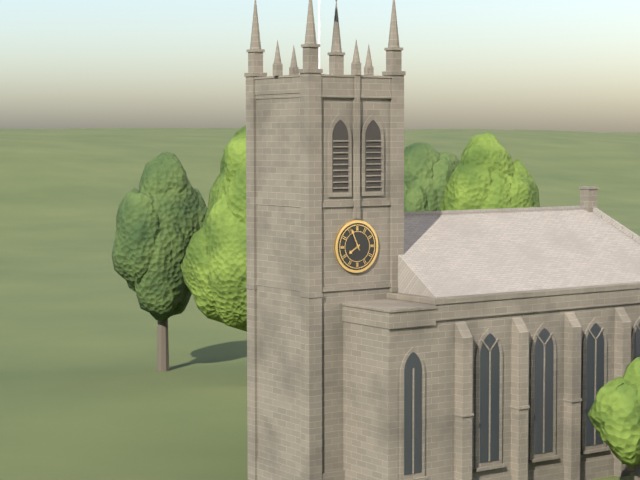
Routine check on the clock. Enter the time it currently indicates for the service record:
7:56
